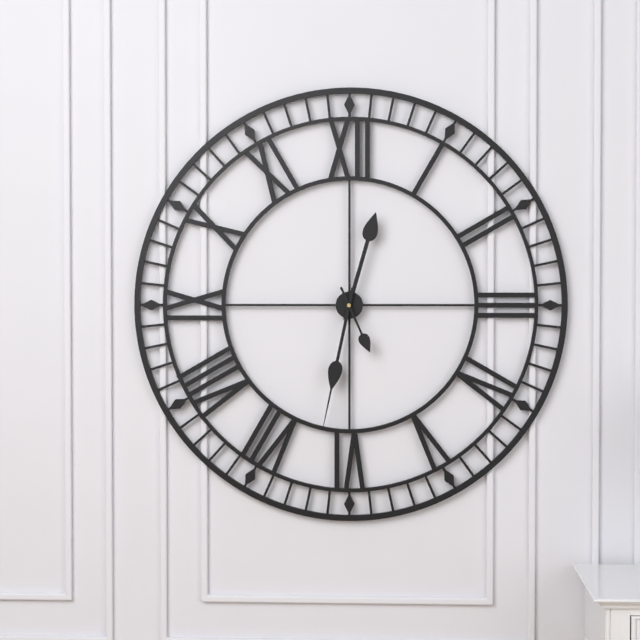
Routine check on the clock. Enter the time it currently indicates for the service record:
12:32:26
